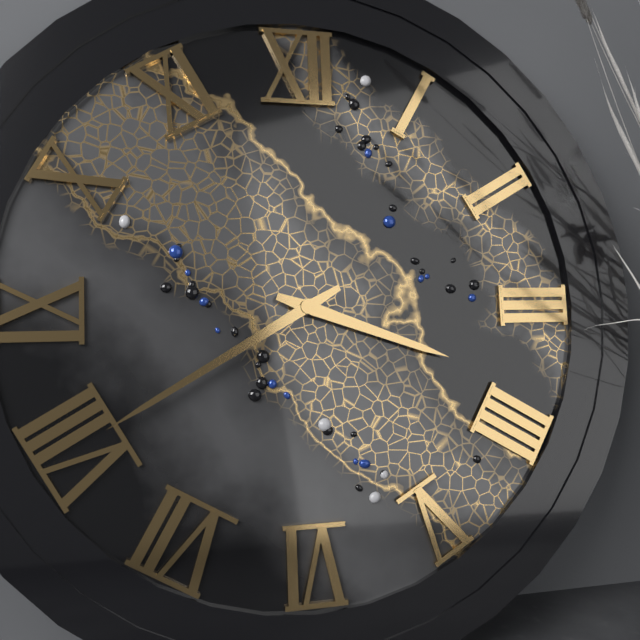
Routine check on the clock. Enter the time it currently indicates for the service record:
3:40
